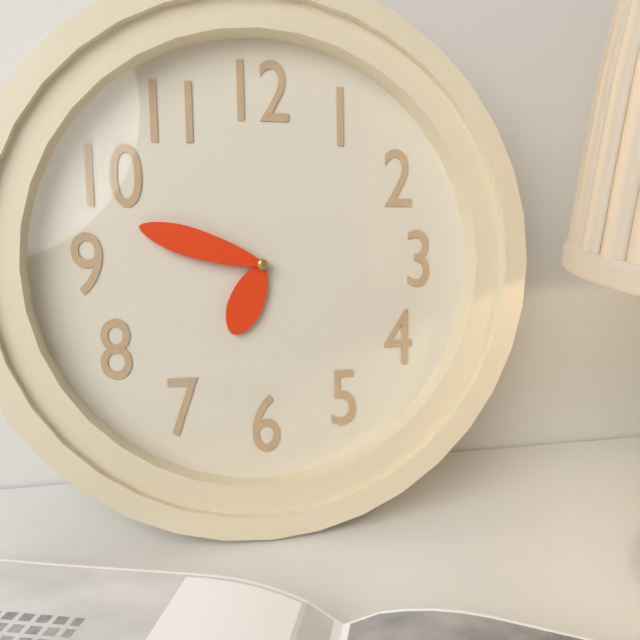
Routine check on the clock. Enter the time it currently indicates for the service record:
6:48
